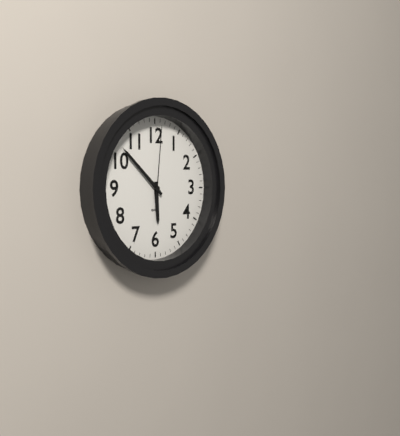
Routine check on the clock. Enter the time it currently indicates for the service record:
5:52:01
